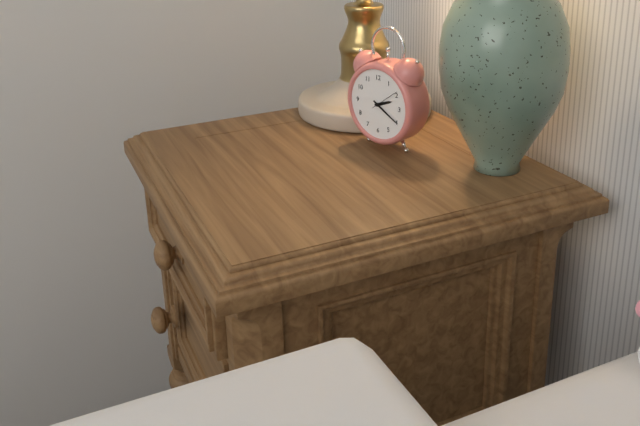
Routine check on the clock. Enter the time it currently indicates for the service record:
2:20
